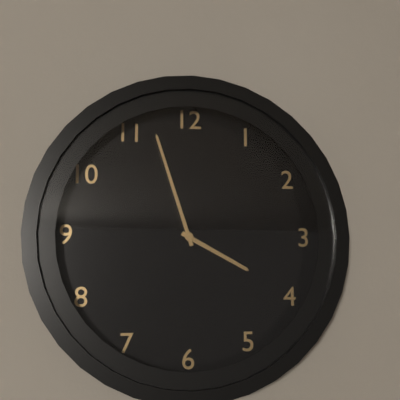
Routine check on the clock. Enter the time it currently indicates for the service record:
3:57
